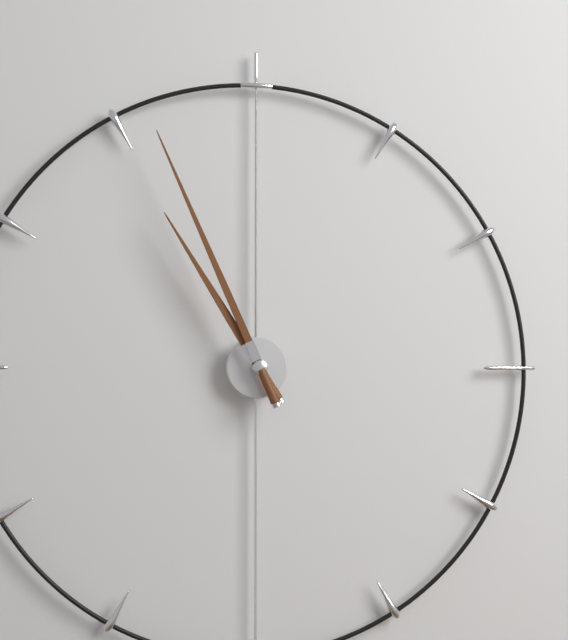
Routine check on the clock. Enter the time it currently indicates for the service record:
10:56
